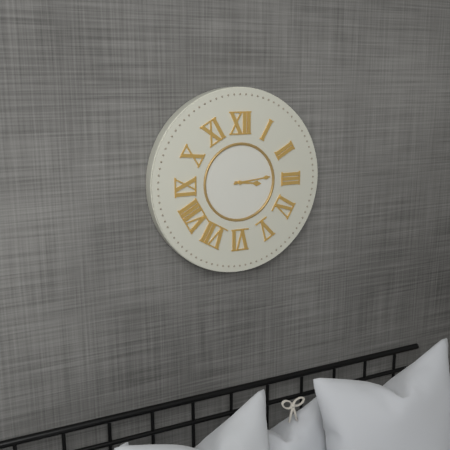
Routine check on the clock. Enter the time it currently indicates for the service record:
3:14
